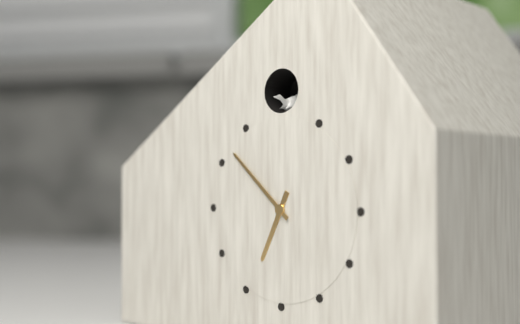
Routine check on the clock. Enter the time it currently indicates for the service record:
6:52
